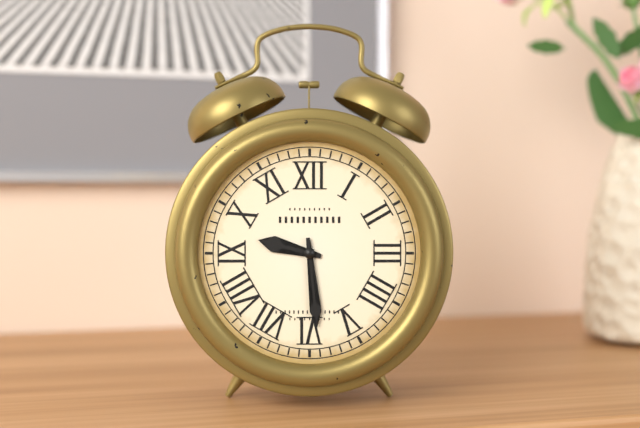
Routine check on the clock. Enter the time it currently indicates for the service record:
9:29
